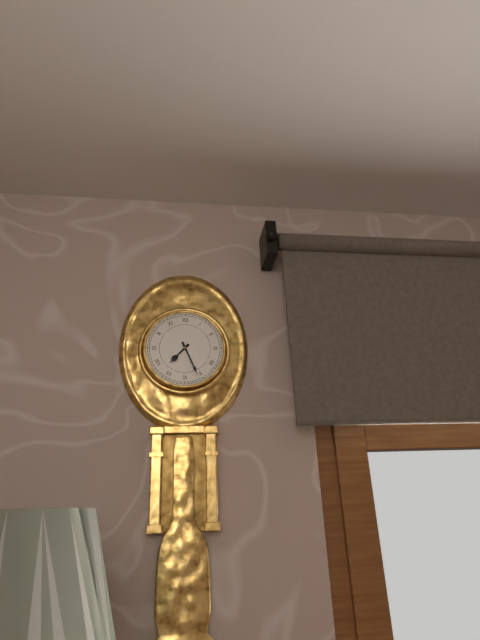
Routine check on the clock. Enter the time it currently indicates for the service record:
7:26
